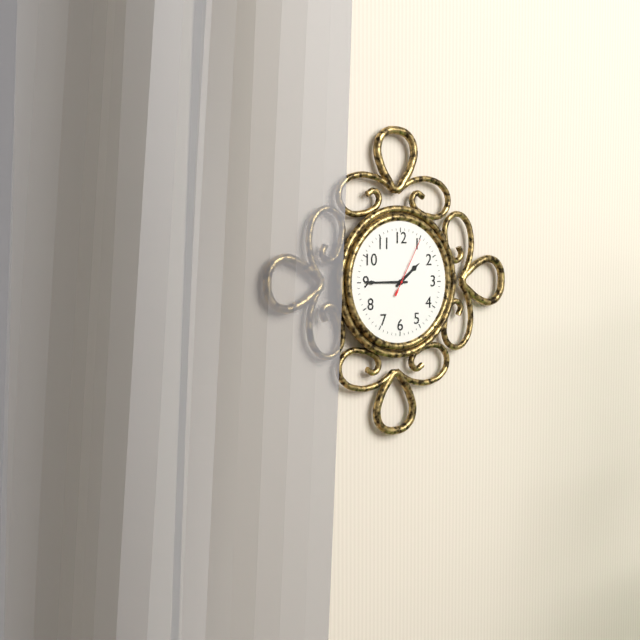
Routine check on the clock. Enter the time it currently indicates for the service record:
1:45:05
